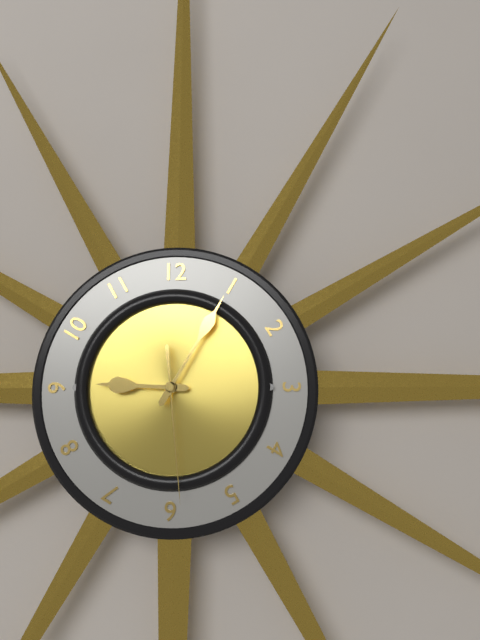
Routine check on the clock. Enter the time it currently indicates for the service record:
9:05:29
